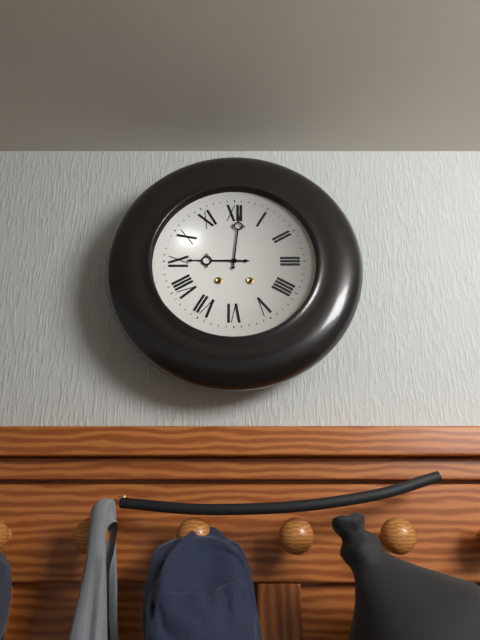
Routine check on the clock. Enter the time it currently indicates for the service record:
9:01
